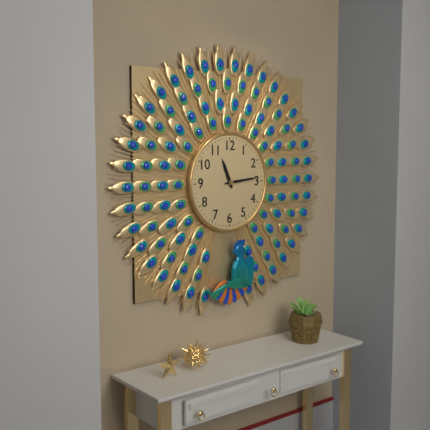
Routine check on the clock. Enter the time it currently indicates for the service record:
11:14
